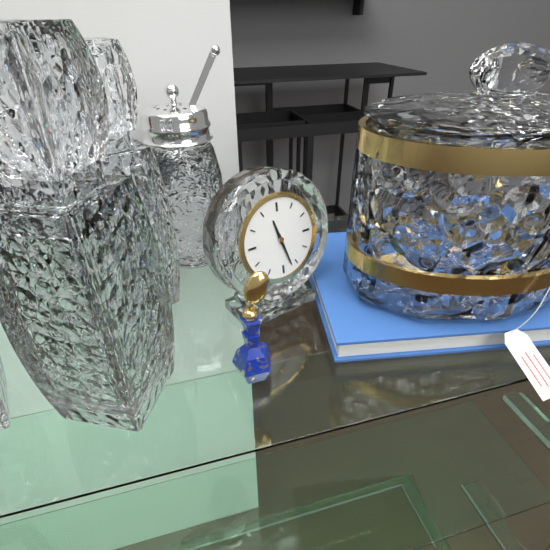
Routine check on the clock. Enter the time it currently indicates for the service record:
11:27
